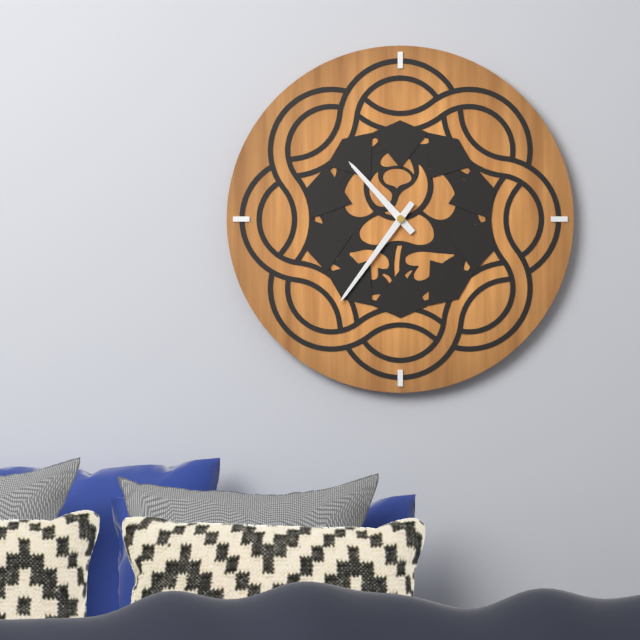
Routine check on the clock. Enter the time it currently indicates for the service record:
10:36
